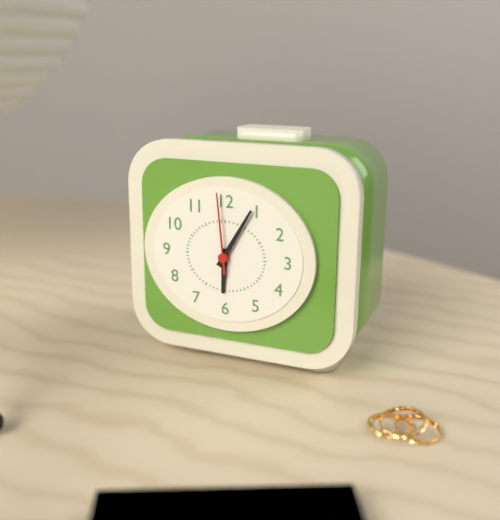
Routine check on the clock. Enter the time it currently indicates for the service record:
6:05:59
